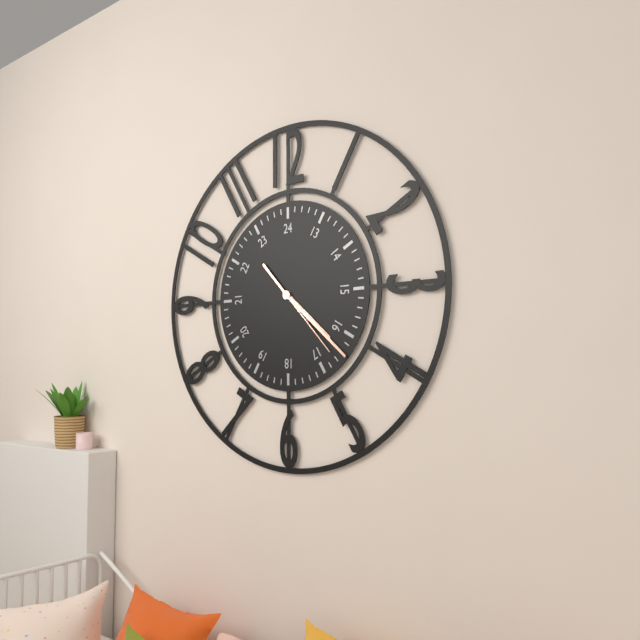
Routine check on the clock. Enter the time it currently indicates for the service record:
4:22:23
